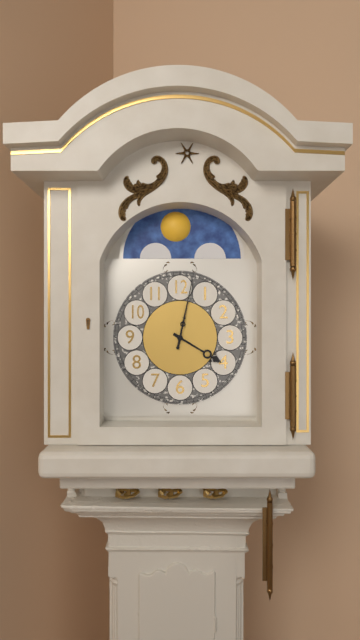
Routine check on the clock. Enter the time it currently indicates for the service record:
4:02
